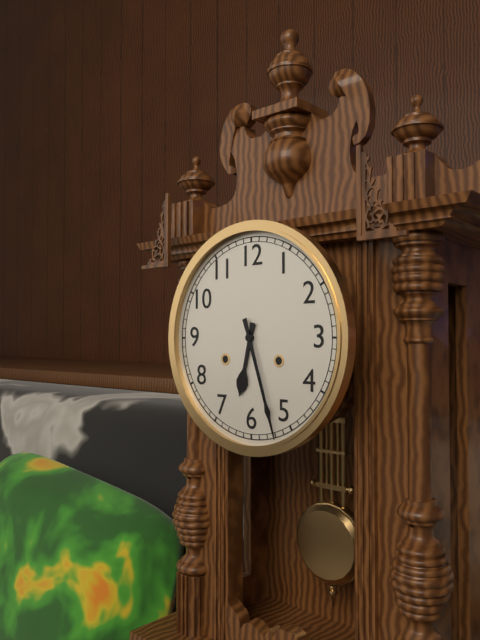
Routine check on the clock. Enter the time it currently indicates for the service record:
6:27
